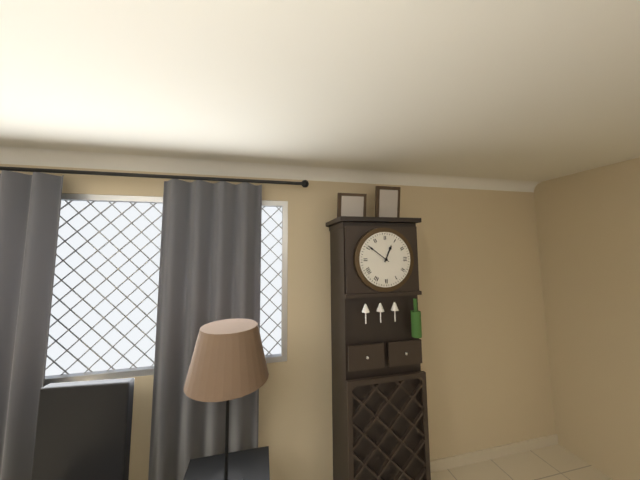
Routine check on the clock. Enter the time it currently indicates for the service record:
12:51
